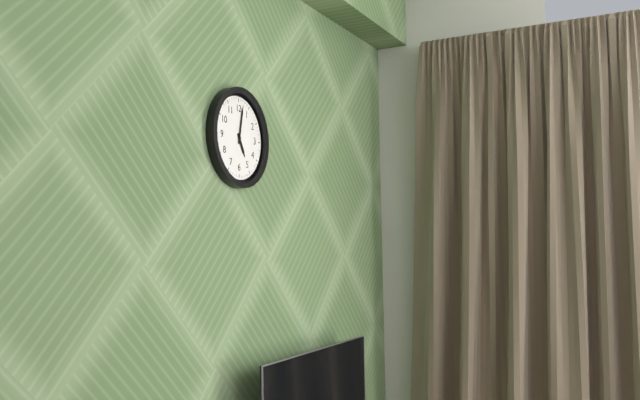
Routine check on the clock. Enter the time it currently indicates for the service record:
5:02
